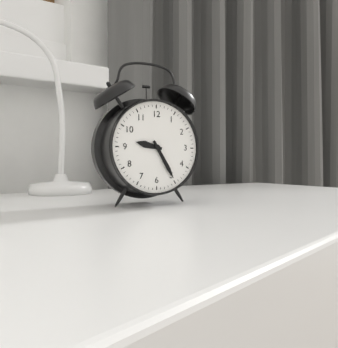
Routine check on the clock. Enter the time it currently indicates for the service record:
9:25
